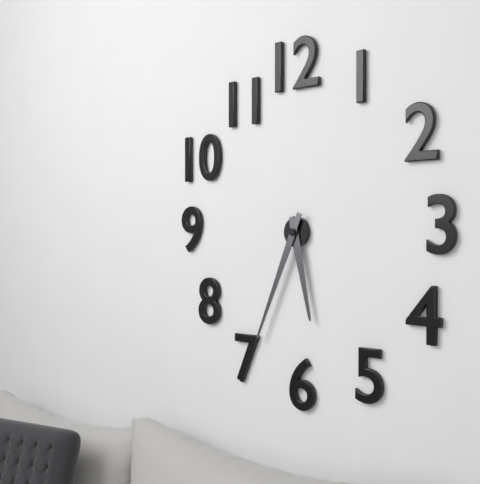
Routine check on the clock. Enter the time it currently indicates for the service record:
5:34
